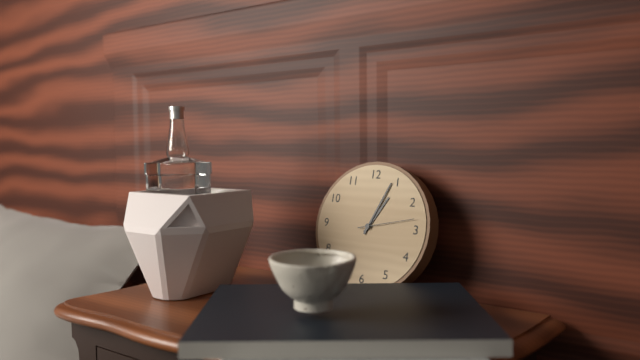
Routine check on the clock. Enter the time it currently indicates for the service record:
1:04:13
